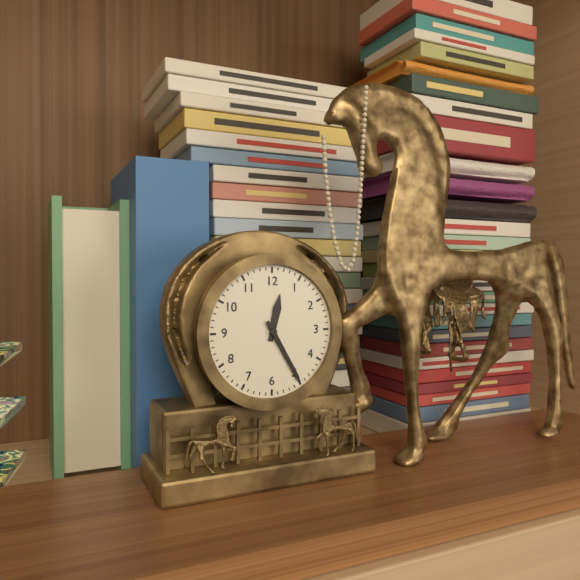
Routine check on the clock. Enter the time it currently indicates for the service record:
12:25
